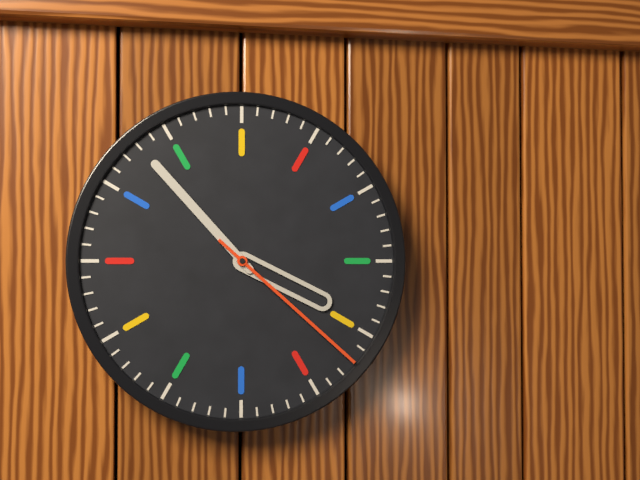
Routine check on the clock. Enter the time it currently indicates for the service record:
3:53:22
